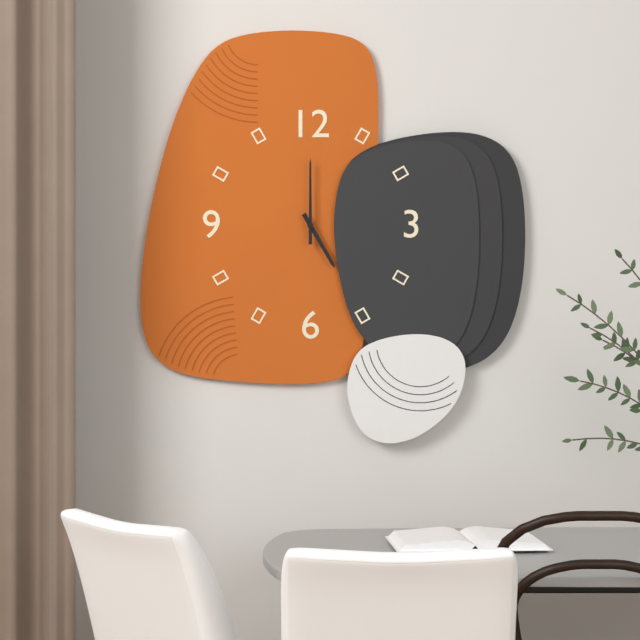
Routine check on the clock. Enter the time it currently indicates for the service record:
5:00
